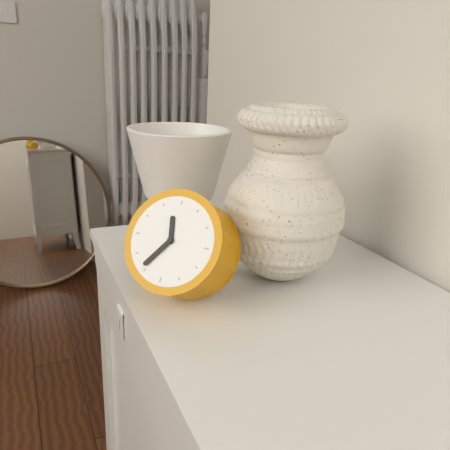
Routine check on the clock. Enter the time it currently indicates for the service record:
11:36
